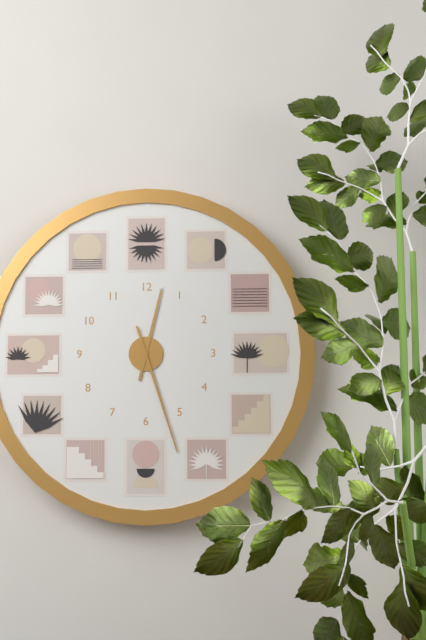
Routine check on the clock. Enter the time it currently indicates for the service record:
12:27
